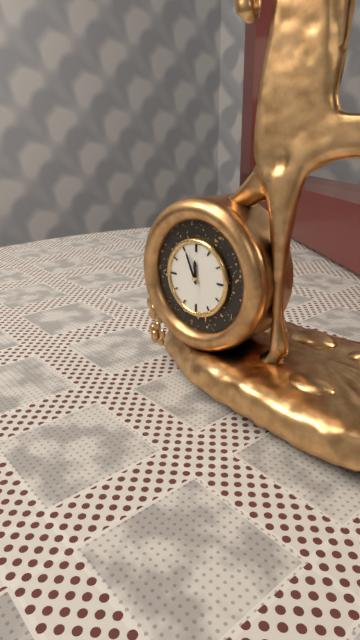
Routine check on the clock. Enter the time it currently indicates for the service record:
11:56
